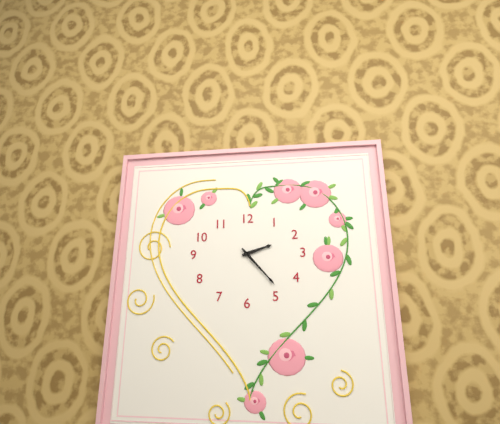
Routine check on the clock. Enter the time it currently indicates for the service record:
2:23
